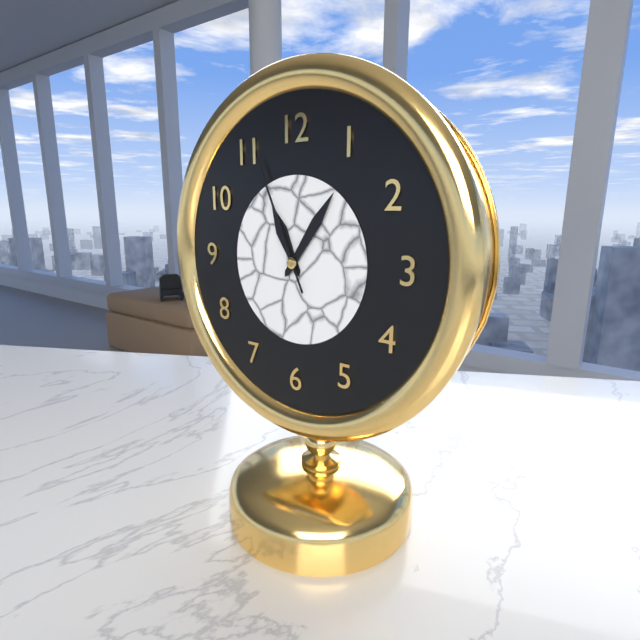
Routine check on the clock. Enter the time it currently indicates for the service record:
11:06:56
